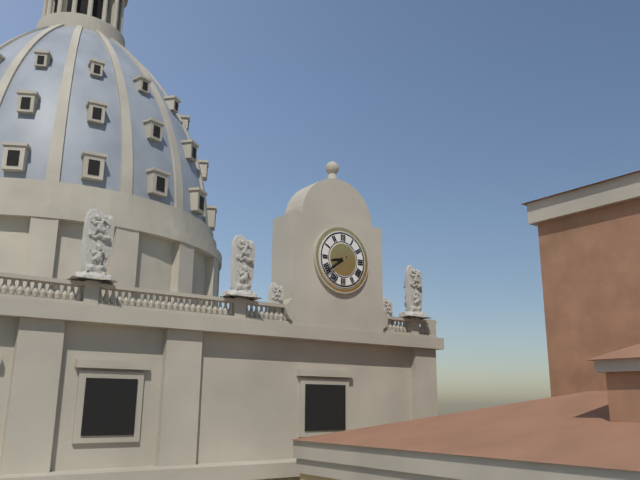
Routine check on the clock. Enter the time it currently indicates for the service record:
8:39
